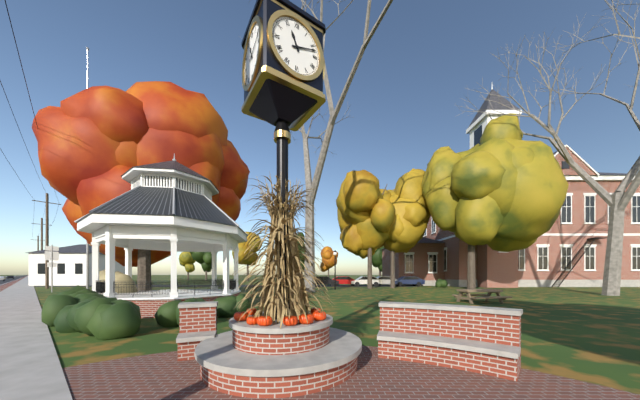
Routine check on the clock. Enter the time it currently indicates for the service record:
11:12
